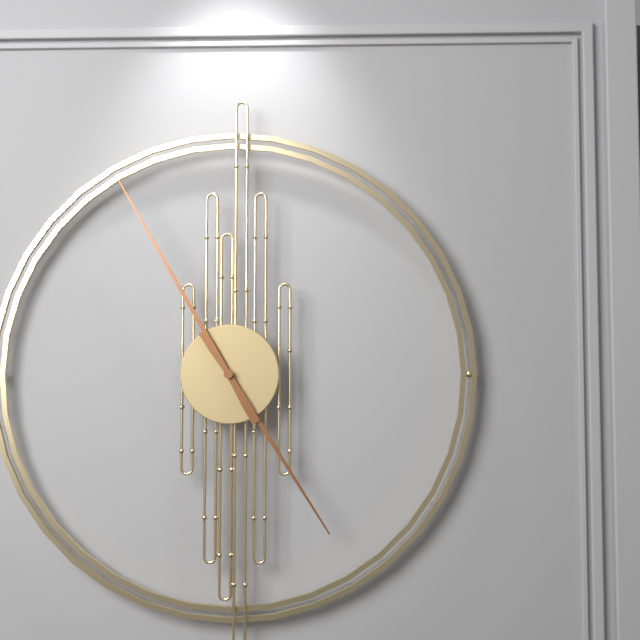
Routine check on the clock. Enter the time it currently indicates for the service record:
4:55
